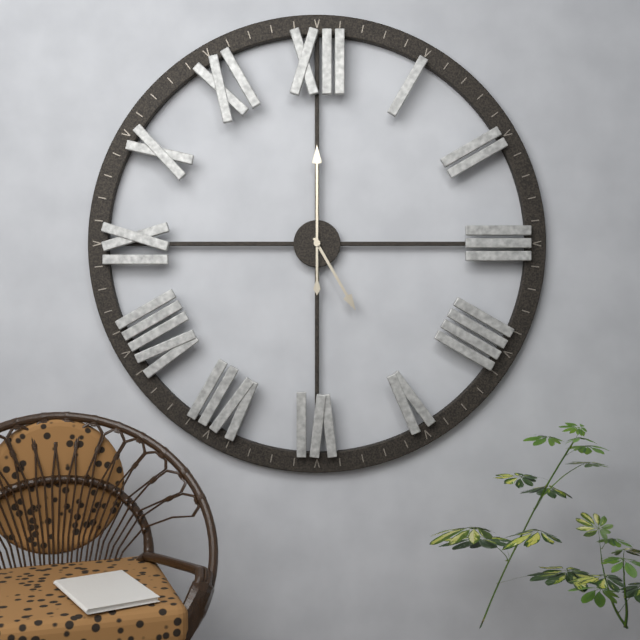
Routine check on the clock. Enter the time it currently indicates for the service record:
5:00
